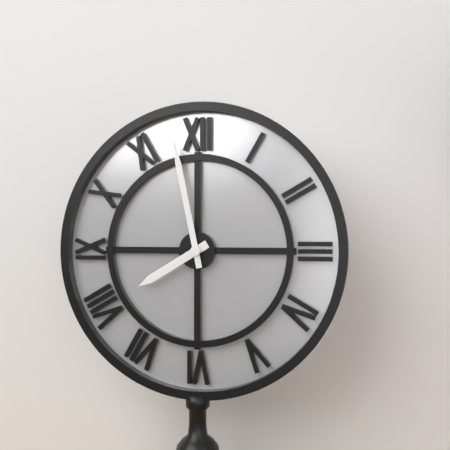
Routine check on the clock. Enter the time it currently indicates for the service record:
7:58
